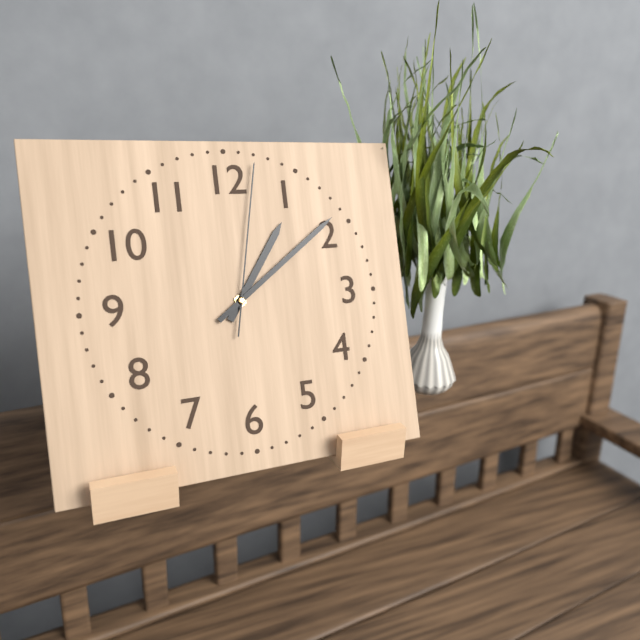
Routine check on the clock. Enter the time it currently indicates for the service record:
1:09:02
